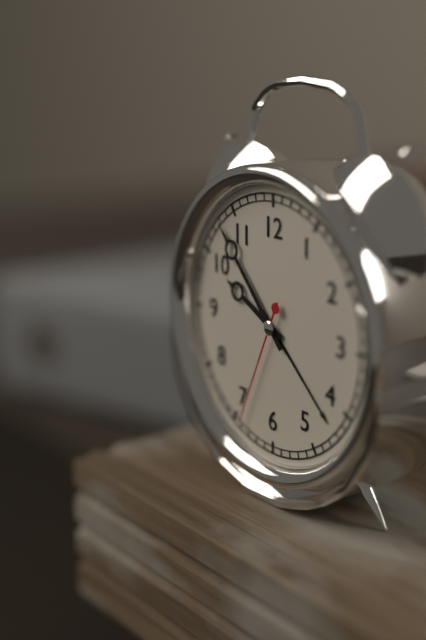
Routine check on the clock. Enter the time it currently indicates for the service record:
9:53:34
